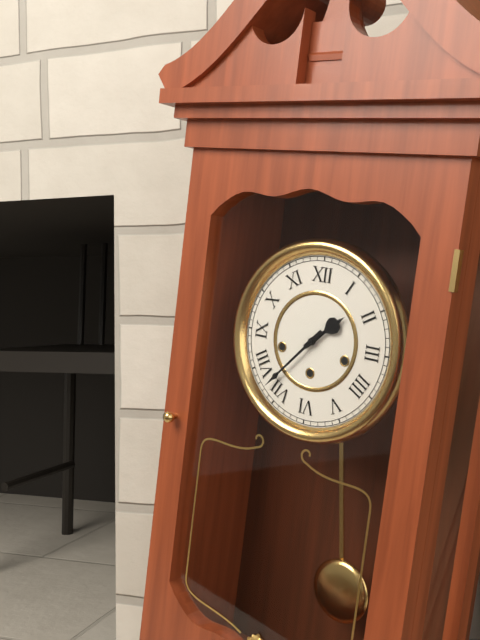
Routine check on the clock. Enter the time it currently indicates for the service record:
1:37
